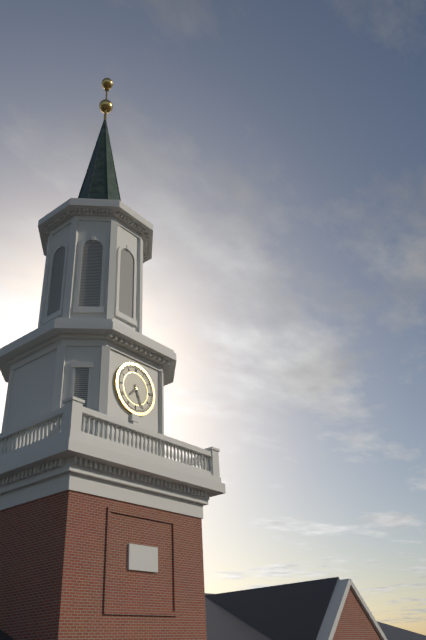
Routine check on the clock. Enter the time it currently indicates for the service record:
7:26
